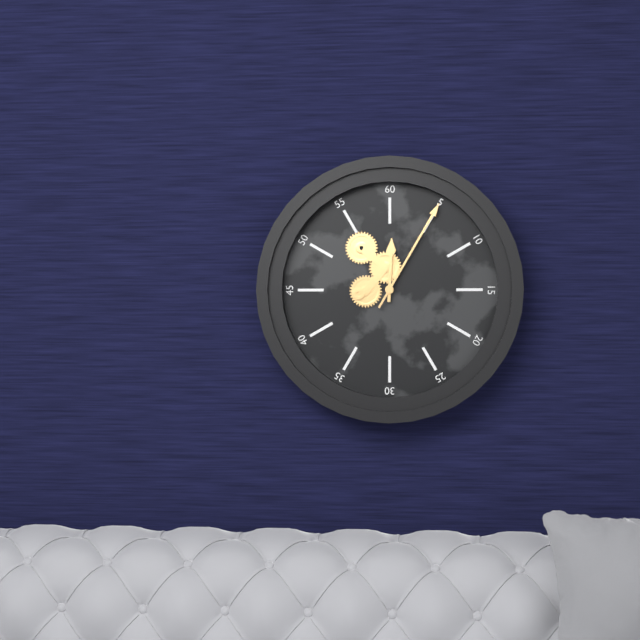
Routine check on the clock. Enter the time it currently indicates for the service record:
12:05
